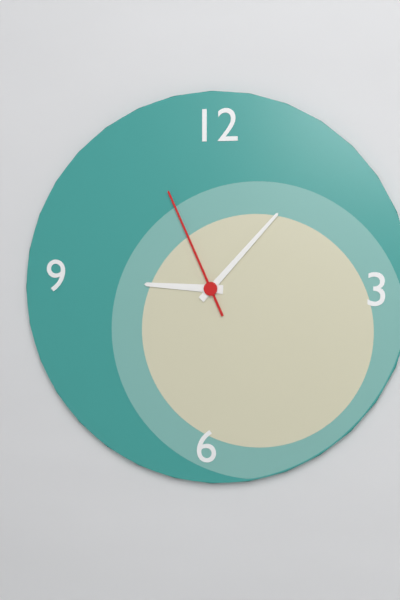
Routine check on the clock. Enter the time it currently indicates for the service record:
9:07:56
